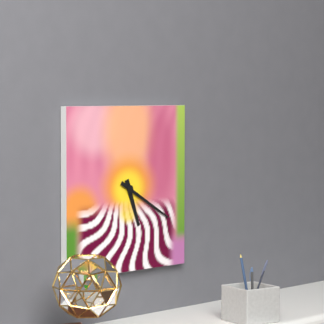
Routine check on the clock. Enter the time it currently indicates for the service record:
5:20
